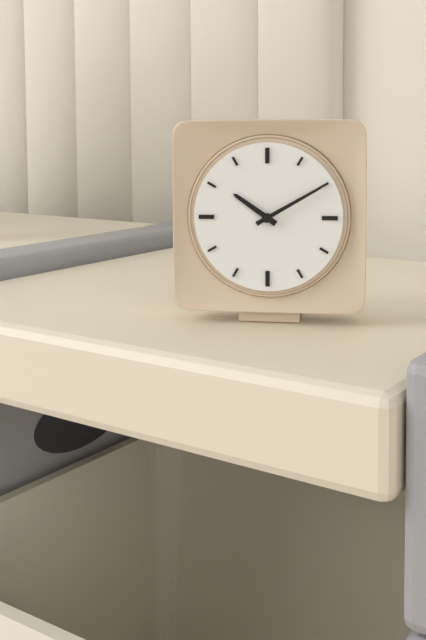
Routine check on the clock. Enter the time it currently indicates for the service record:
10:10
